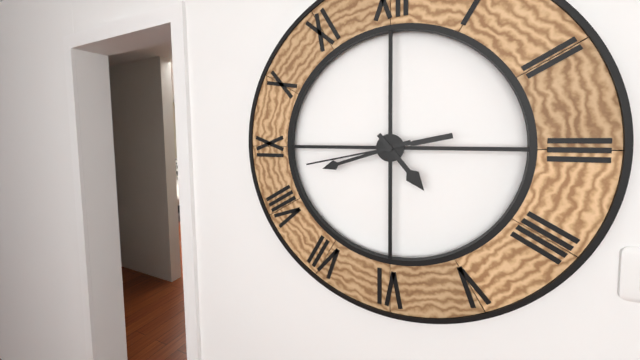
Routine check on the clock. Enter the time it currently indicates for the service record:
4:42:43
